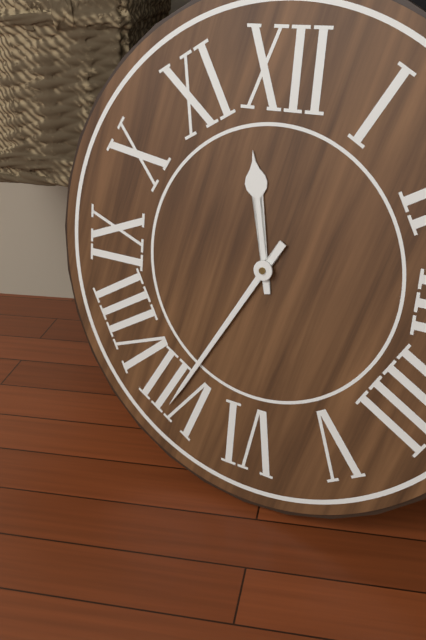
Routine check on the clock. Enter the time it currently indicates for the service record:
11:35
